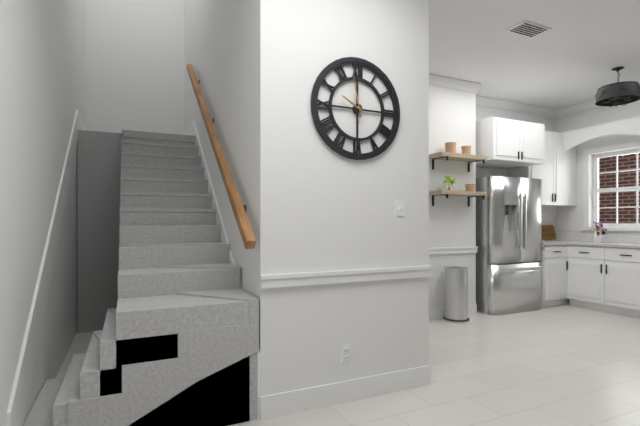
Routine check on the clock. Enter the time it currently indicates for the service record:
9:58
